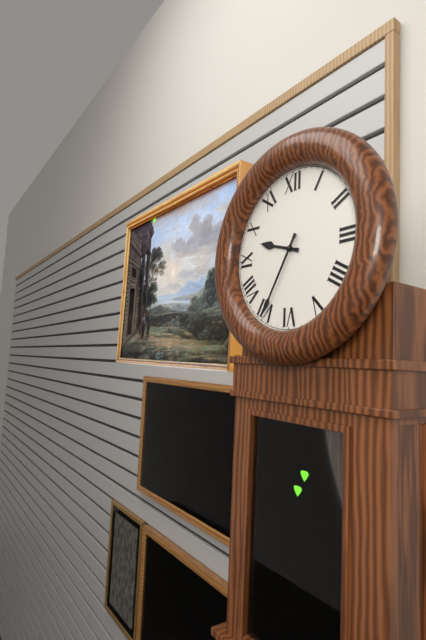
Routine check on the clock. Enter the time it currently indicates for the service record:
9:35
